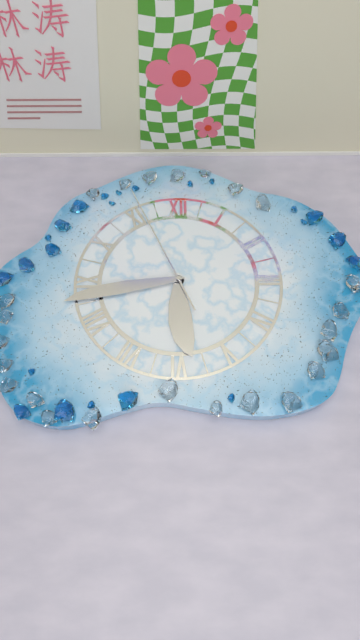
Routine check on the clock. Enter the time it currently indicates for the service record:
5:43:56
